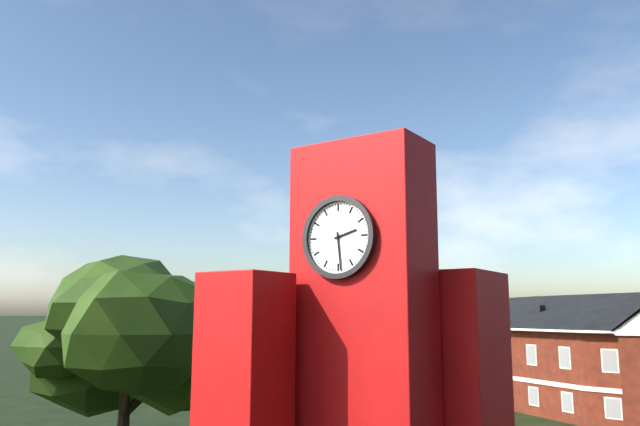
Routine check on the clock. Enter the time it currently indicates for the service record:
2:29
